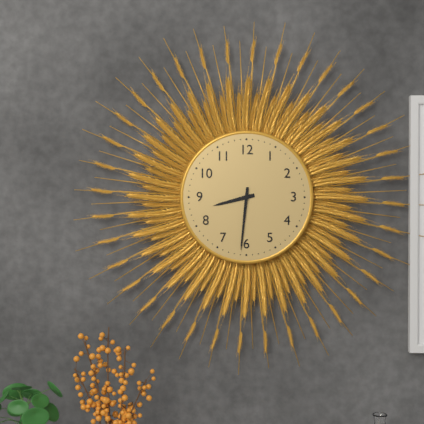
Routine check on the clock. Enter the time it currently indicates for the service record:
8:31
